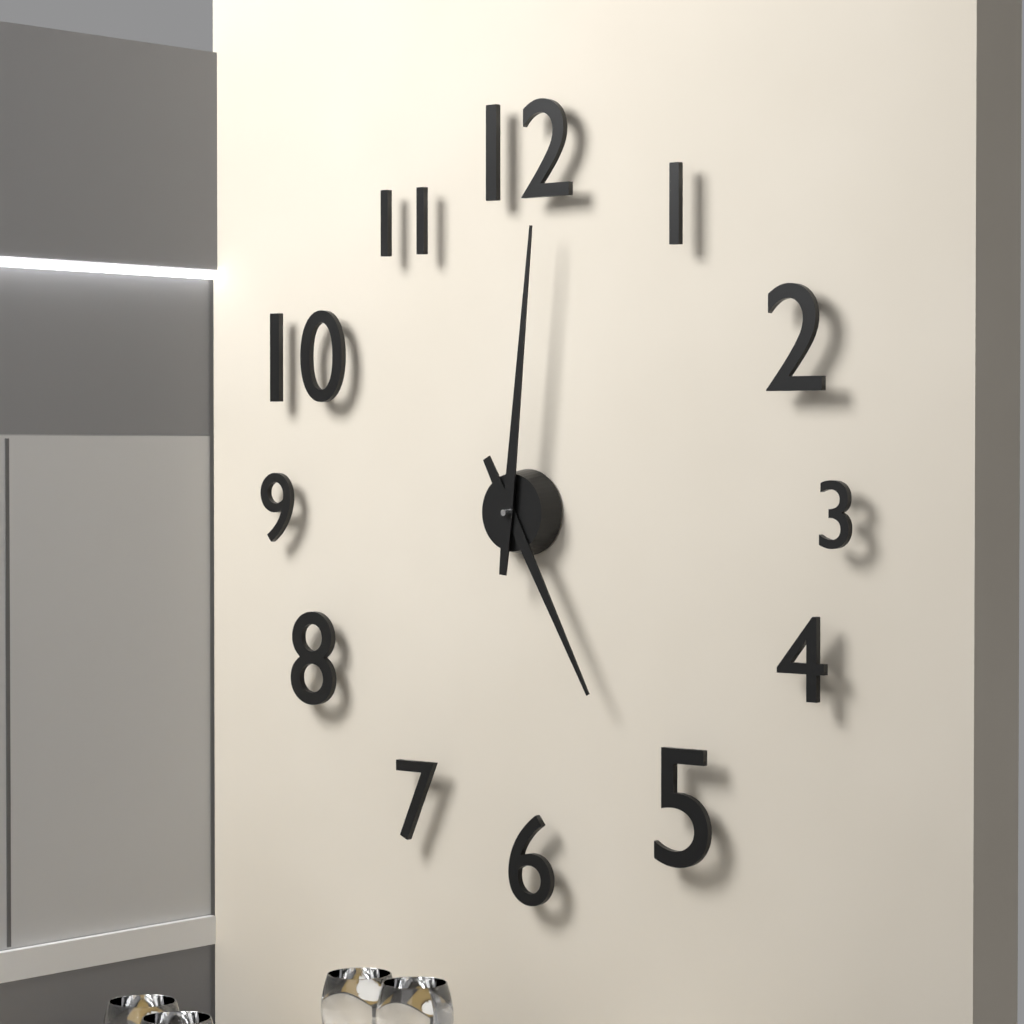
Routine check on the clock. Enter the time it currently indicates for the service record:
5:01
